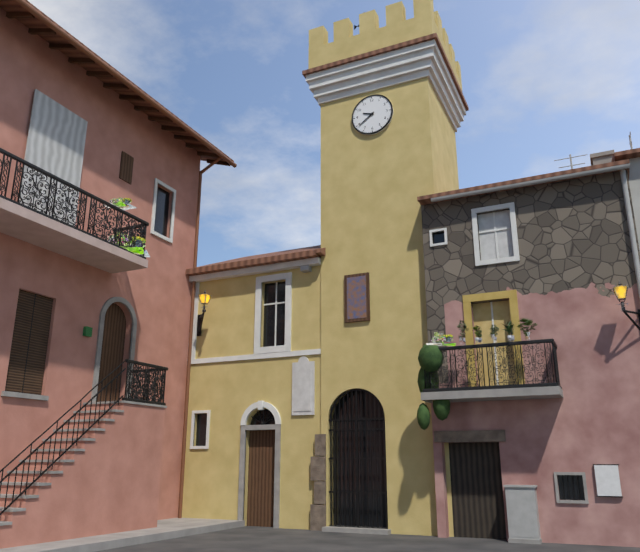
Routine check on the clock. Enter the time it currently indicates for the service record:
9:39
